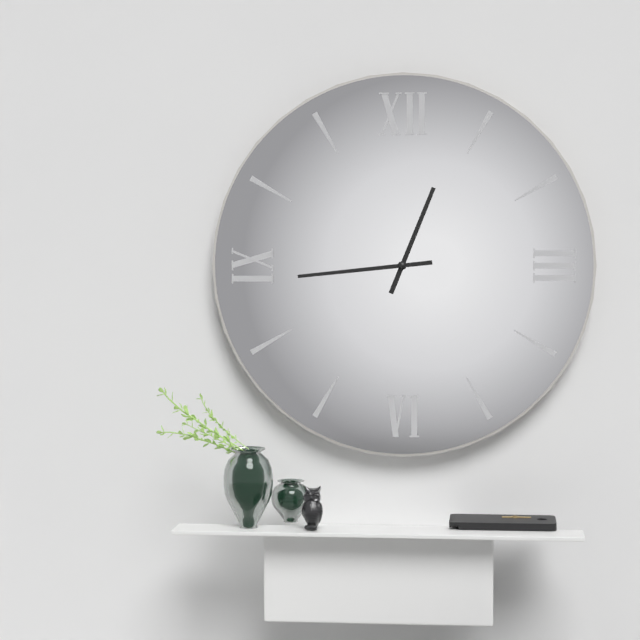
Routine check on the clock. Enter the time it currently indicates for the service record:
12:44
